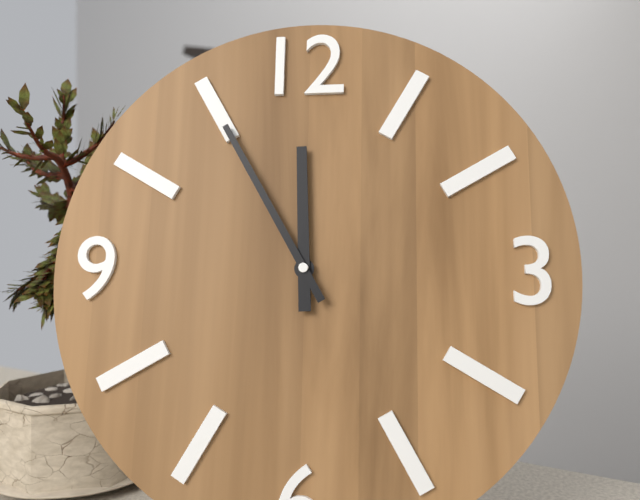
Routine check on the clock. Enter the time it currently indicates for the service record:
11:55
